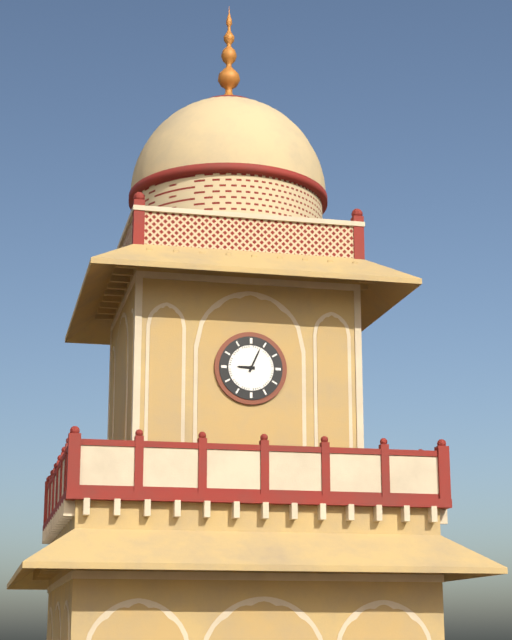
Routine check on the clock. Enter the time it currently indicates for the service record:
9:04
